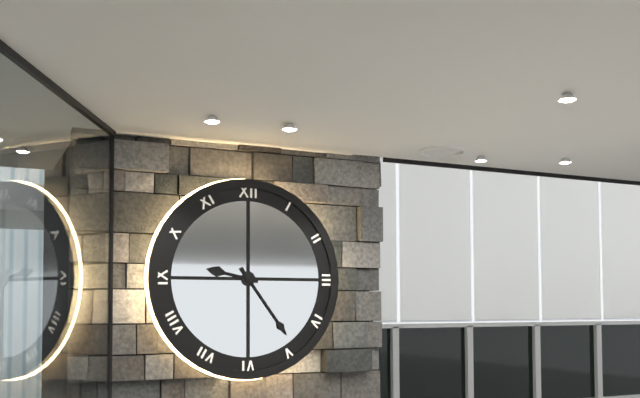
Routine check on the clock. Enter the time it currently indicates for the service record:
9:24
